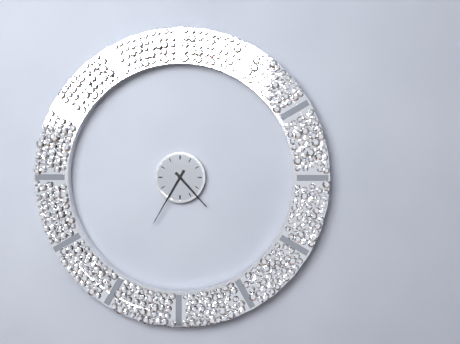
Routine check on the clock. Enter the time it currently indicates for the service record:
4:35
